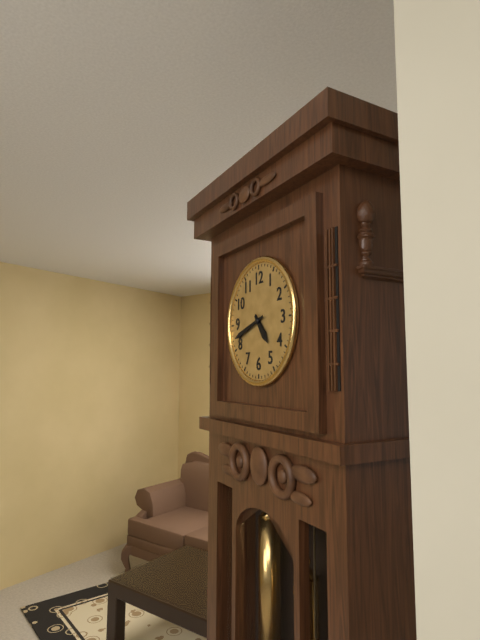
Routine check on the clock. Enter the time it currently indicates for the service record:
4:42
